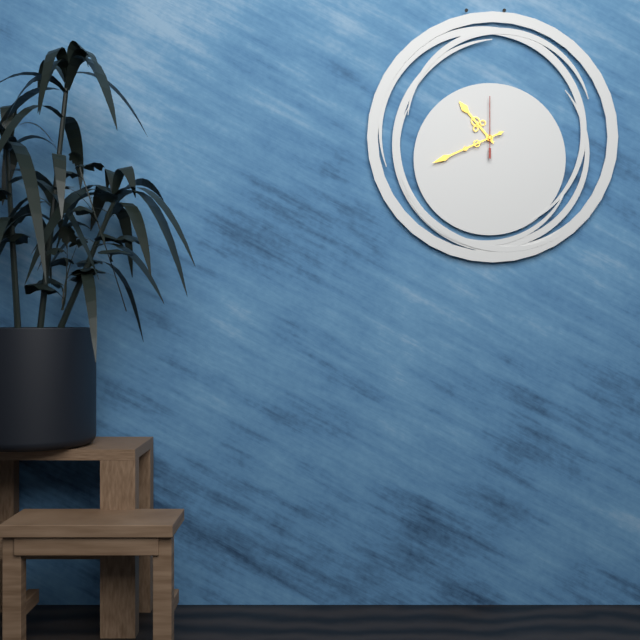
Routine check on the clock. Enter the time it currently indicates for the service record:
10:41:00
